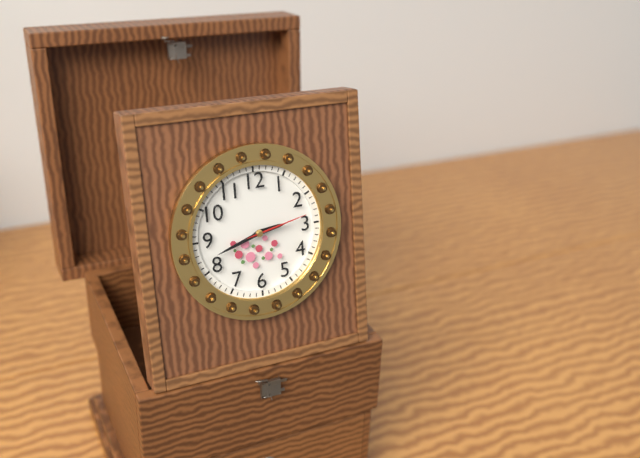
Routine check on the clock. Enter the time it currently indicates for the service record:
2:42:13
